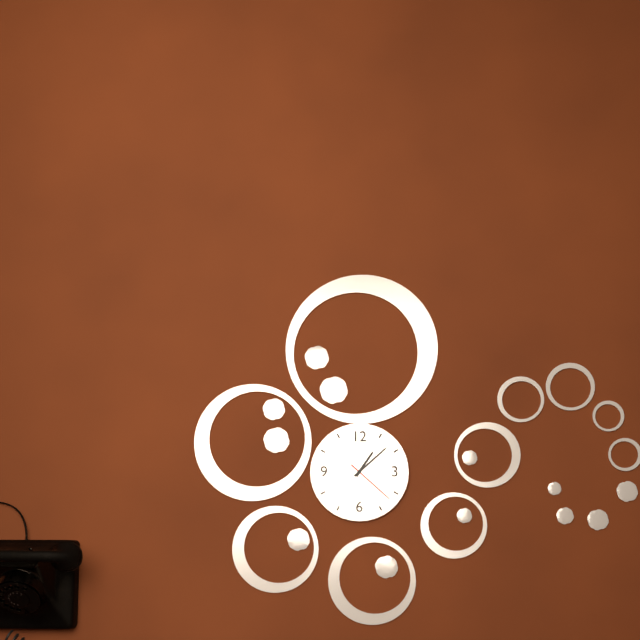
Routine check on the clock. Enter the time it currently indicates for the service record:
1:08
